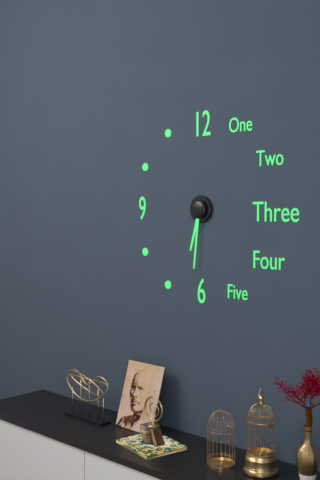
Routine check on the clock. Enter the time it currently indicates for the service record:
6:31
